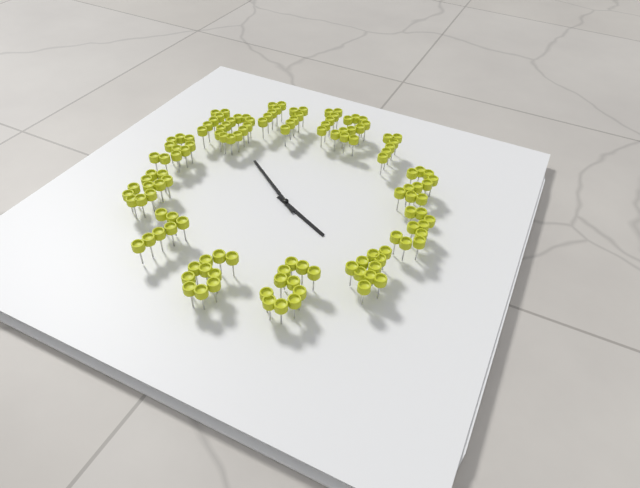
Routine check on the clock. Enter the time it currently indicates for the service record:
3:51
